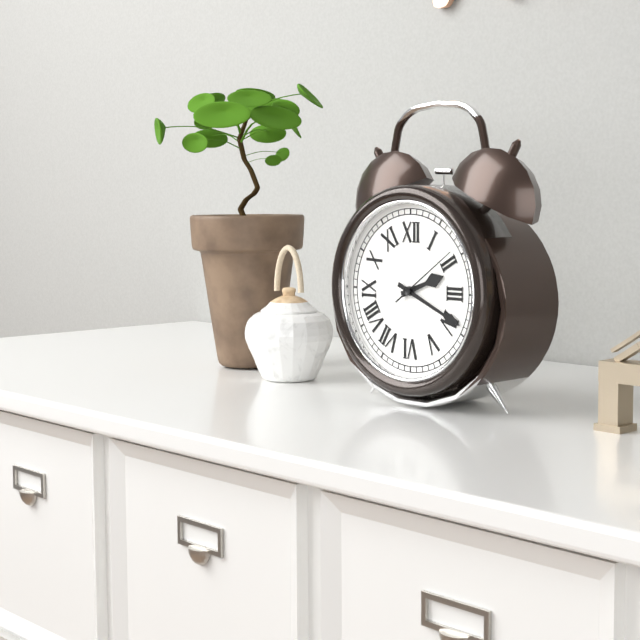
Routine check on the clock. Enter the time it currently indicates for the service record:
2:19:09
